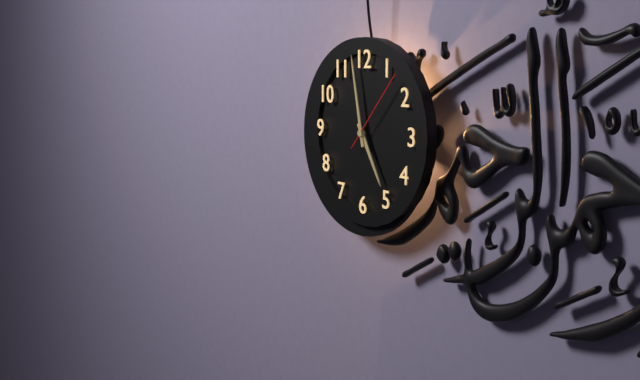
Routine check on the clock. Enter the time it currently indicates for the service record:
4:58:07
